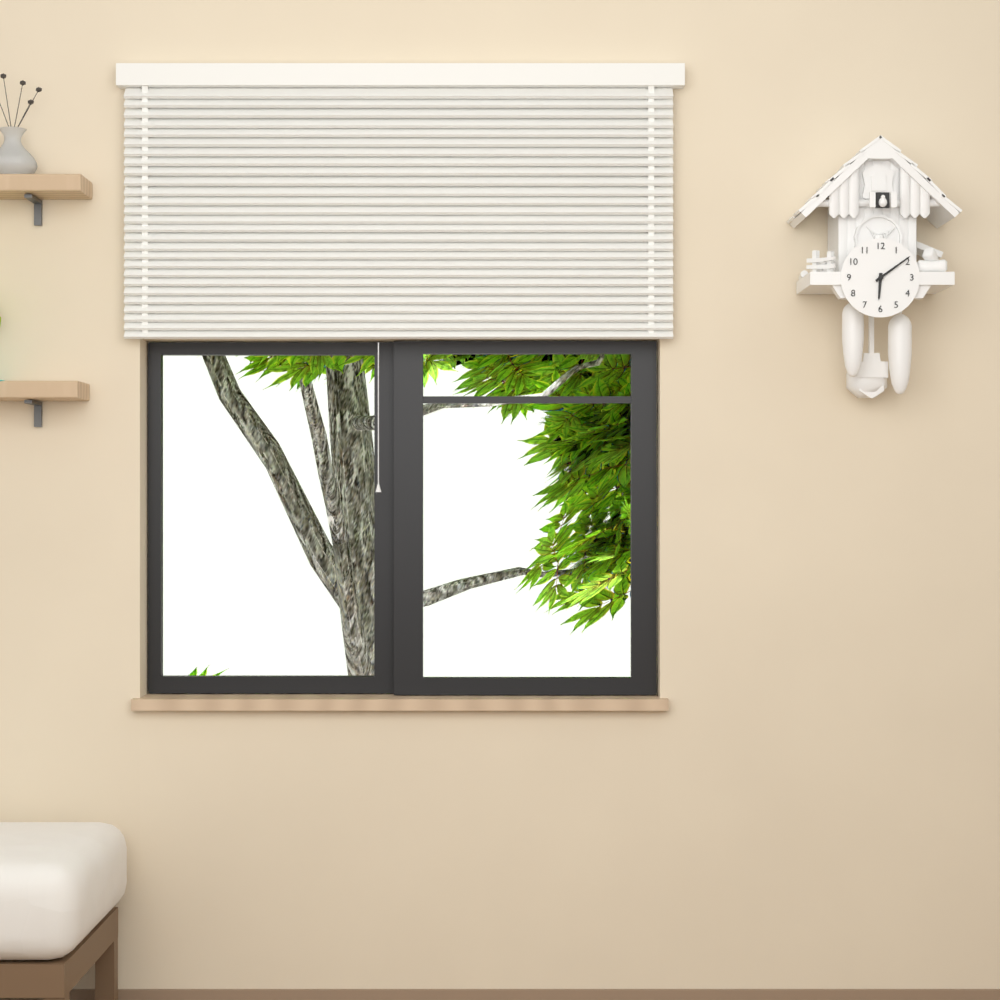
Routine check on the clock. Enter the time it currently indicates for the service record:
6:09
